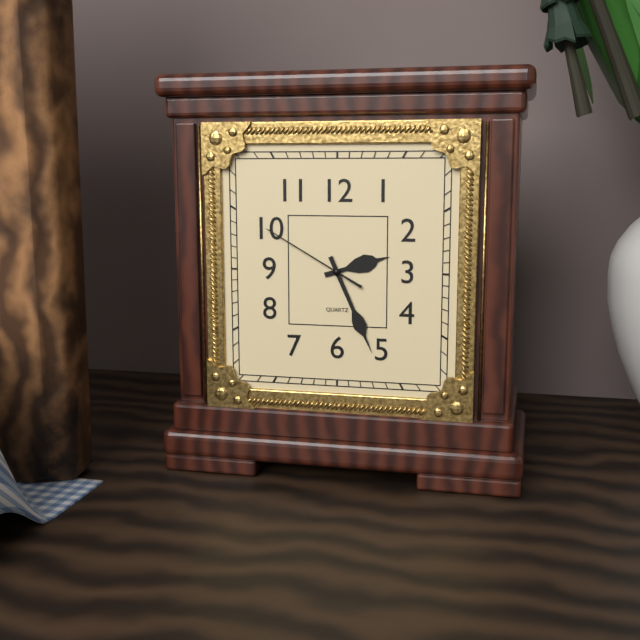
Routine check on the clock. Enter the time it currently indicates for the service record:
2:26:50
